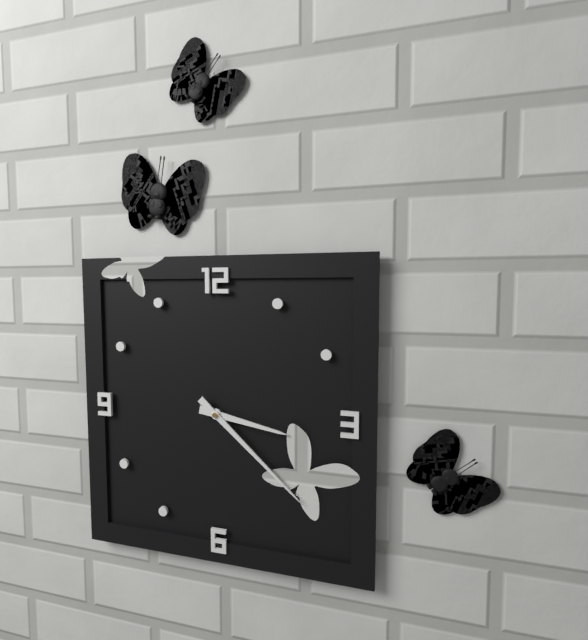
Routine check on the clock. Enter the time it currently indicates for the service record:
3:22
